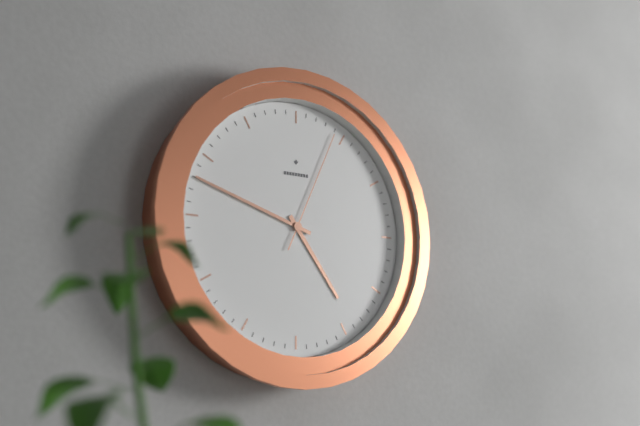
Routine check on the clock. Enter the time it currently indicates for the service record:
4:48:04
